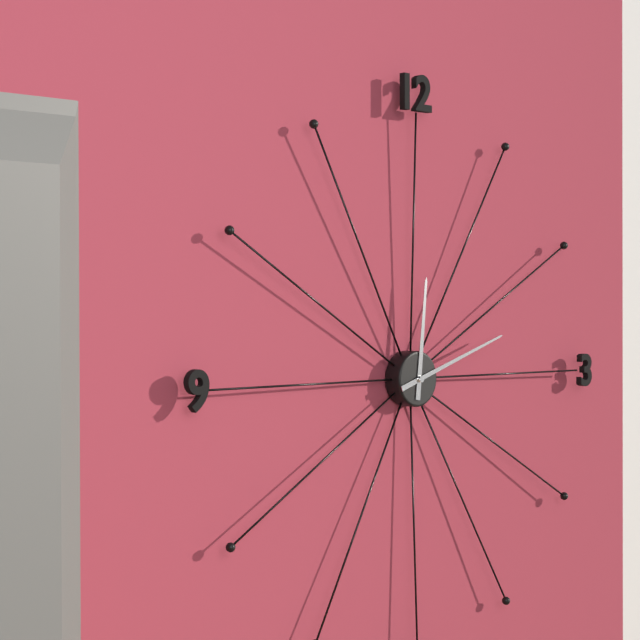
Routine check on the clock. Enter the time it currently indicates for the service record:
12:12
